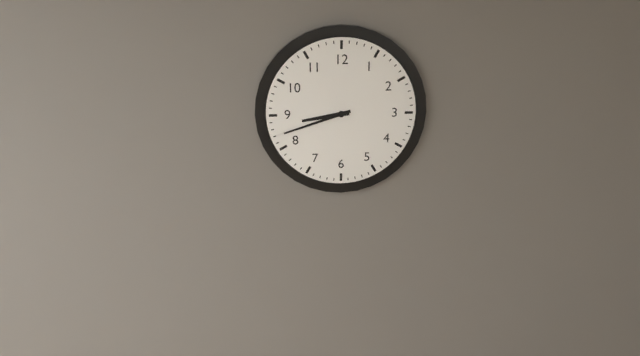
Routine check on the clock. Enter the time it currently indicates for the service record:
8:42
